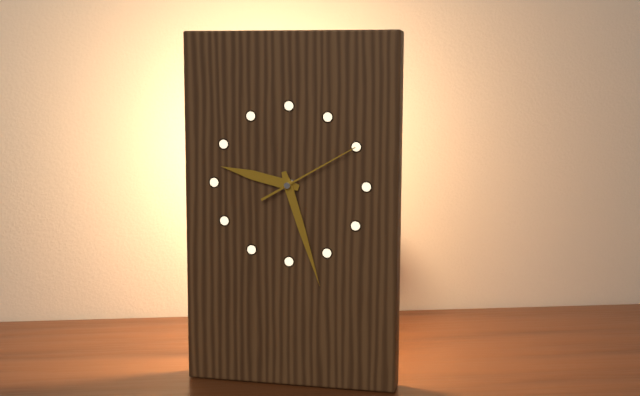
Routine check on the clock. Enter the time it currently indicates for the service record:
9:27:10
